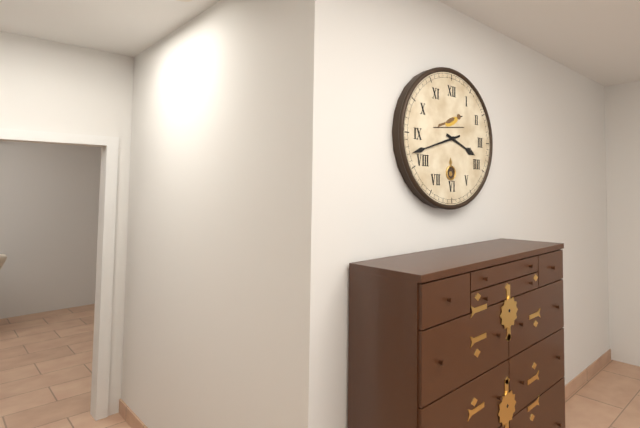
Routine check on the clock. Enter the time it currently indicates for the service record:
3:42
